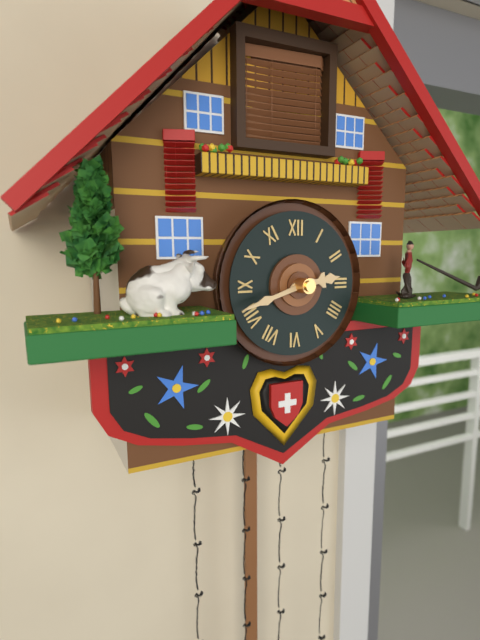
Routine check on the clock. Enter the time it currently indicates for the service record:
2:42
